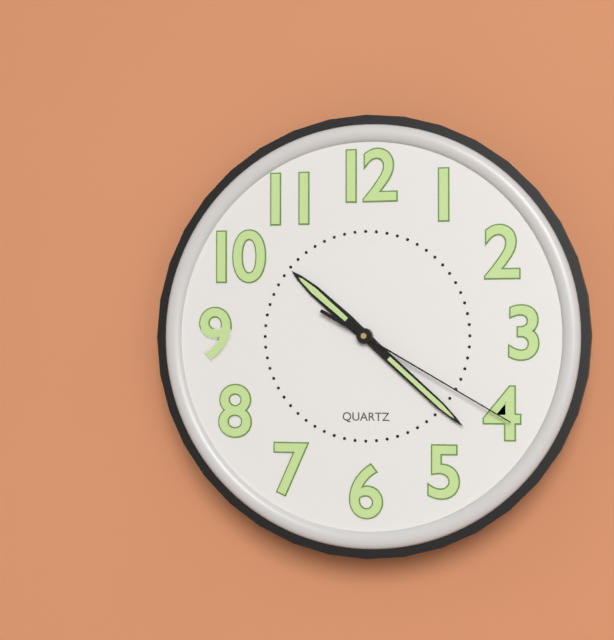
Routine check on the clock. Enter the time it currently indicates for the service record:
10:22:20
